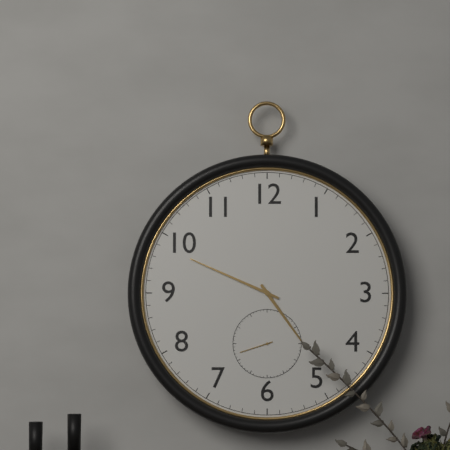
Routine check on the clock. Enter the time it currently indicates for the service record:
4:49
